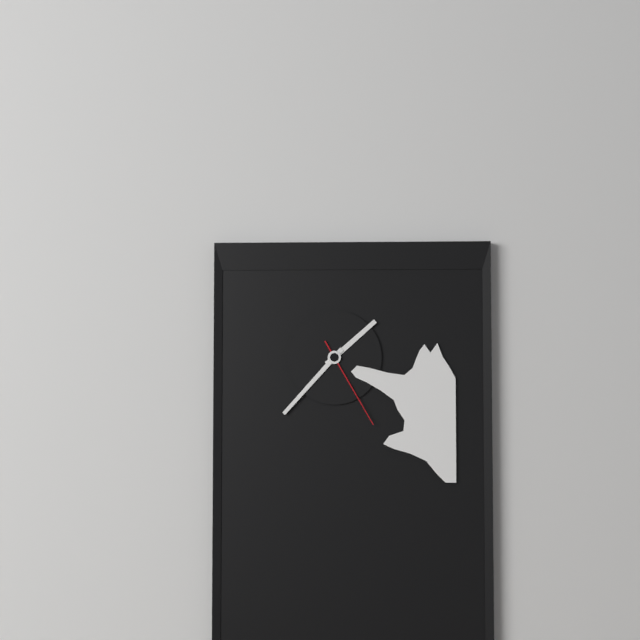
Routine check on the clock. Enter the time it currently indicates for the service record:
1:37:25
